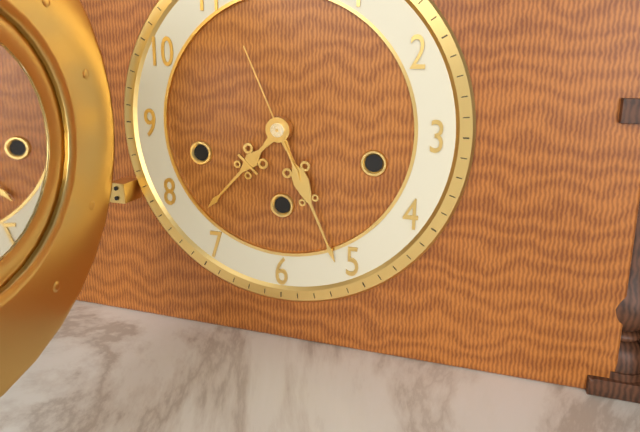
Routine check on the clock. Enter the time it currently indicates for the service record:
7:26:56
